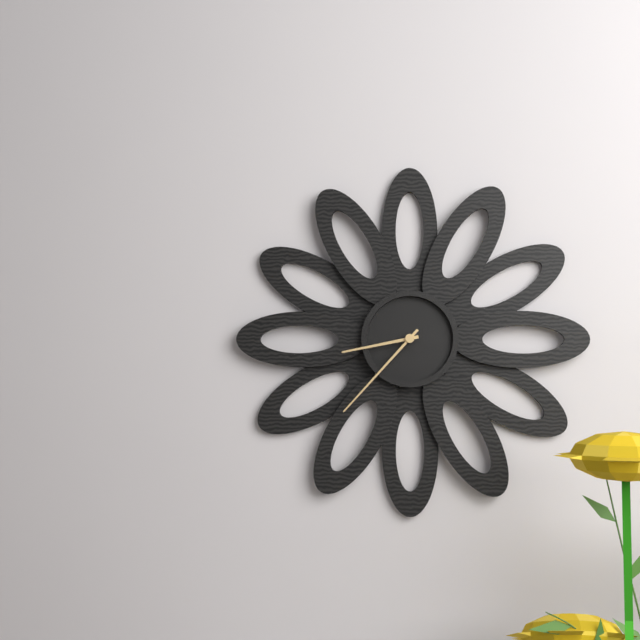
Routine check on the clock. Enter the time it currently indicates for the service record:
8:37
